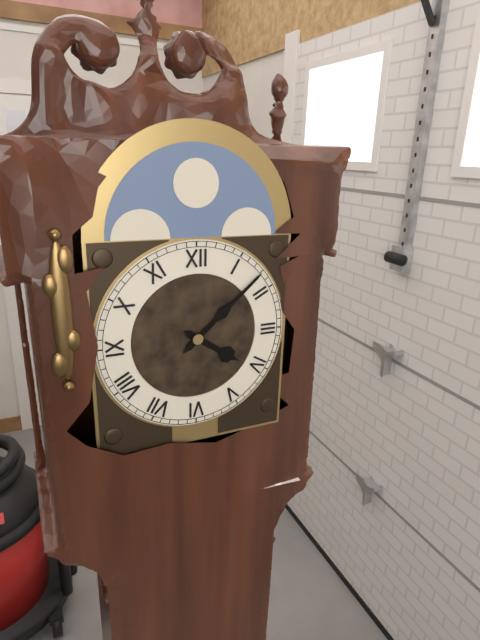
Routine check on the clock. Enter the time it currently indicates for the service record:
4:08
